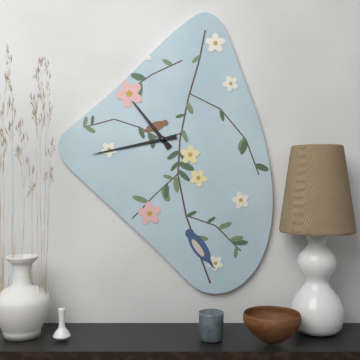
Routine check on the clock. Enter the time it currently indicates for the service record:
10:43
